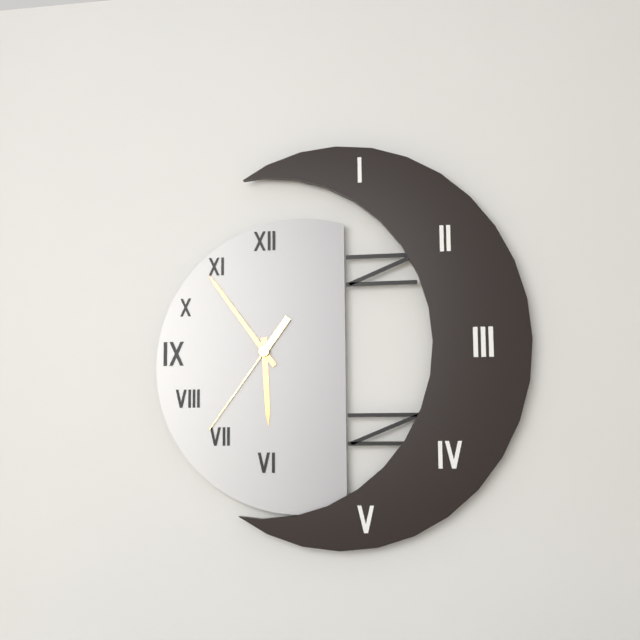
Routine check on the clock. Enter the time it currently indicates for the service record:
5:54:36
